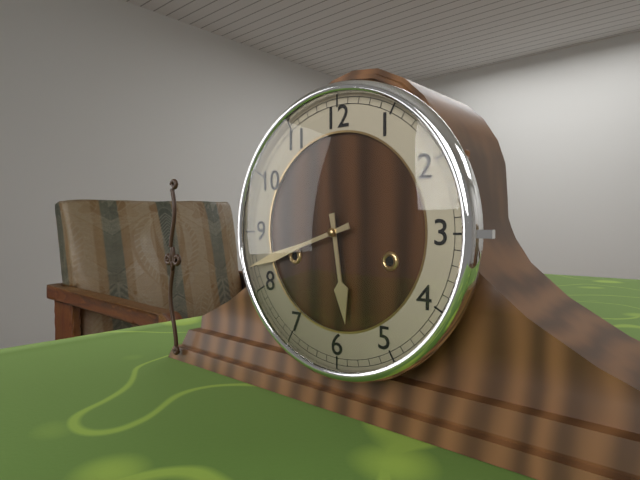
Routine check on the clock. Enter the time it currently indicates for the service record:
5:42
